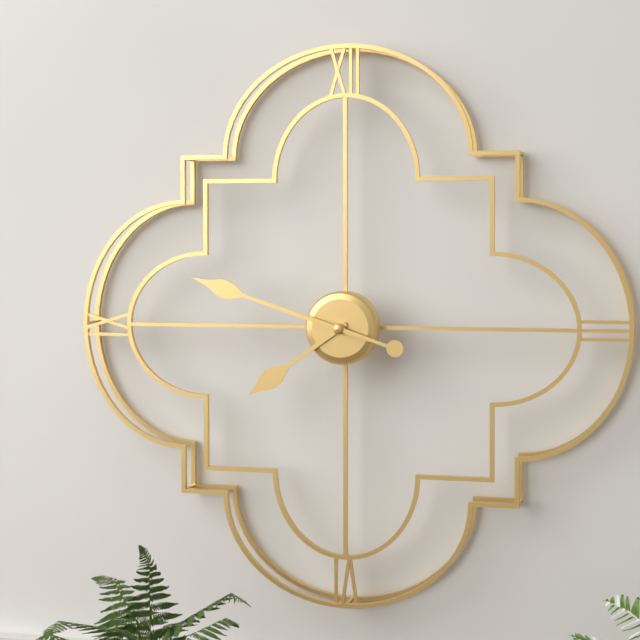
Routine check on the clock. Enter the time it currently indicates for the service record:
7:48
